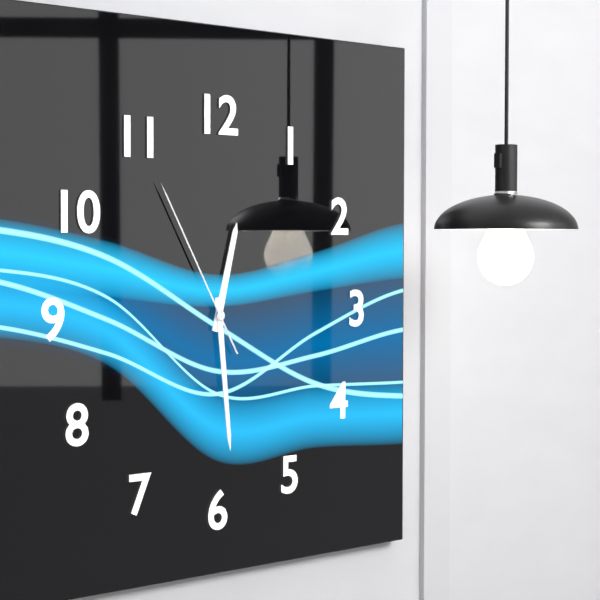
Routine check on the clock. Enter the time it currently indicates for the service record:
12:29:55
